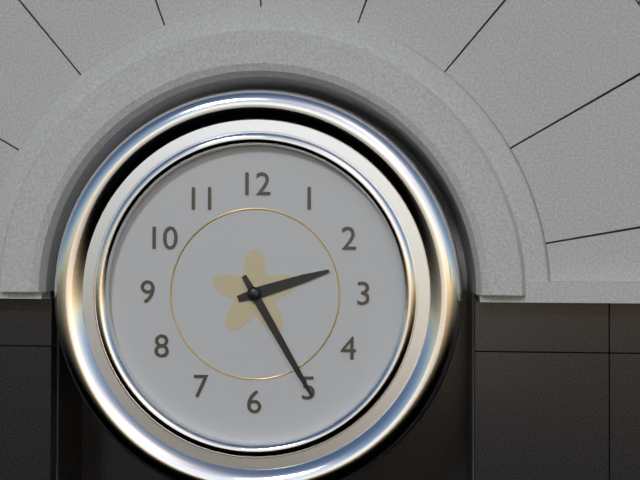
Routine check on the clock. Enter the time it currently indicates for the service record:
2:25
